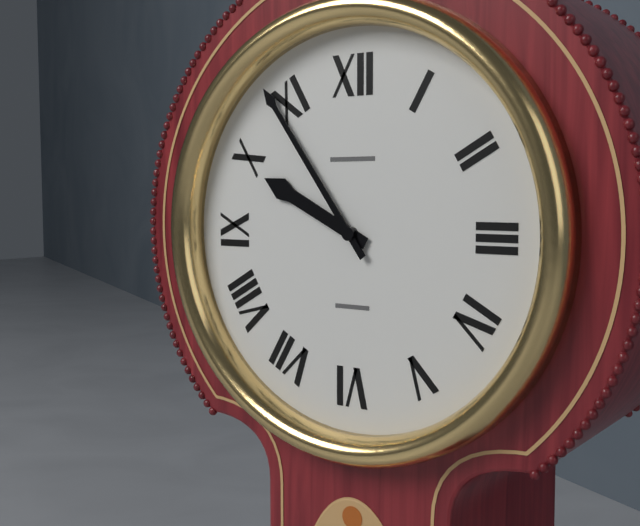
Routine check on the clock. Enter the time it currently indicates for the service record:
9:54
